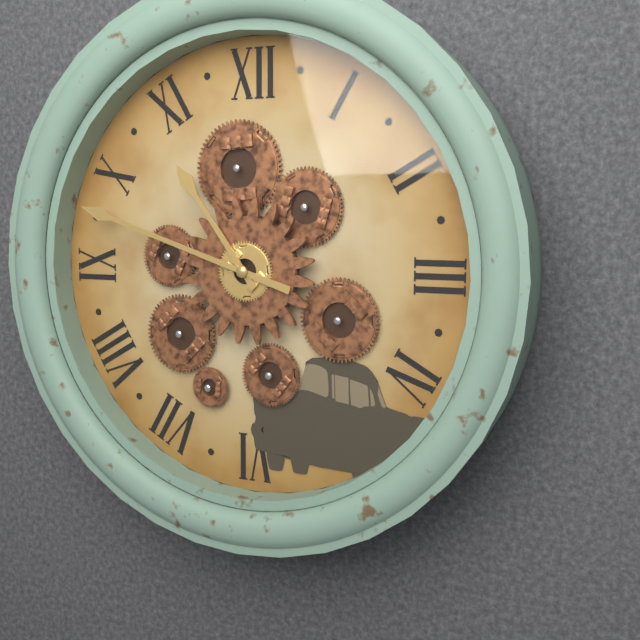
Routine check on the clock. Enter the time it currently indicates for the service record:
10:48
